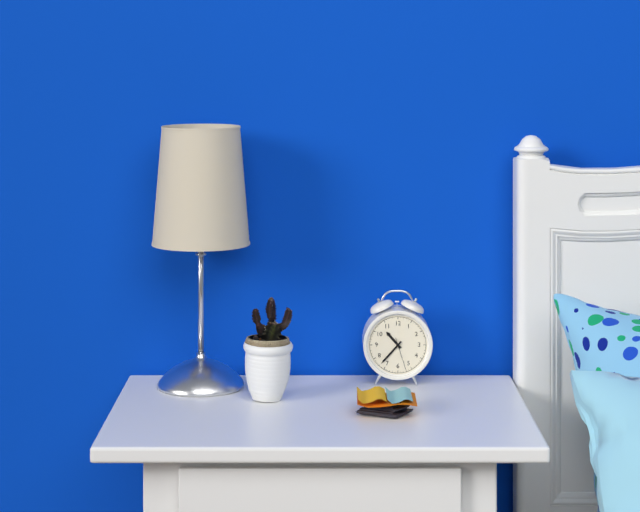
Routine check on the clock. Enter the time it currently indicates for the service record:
10:37
